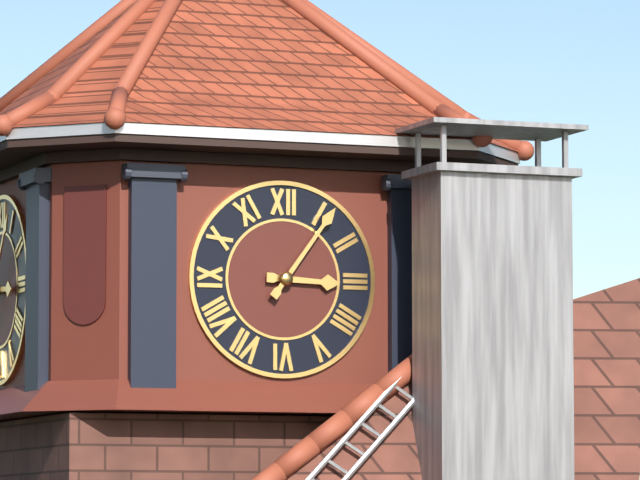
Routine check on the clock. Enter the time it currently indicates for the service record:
3:06
